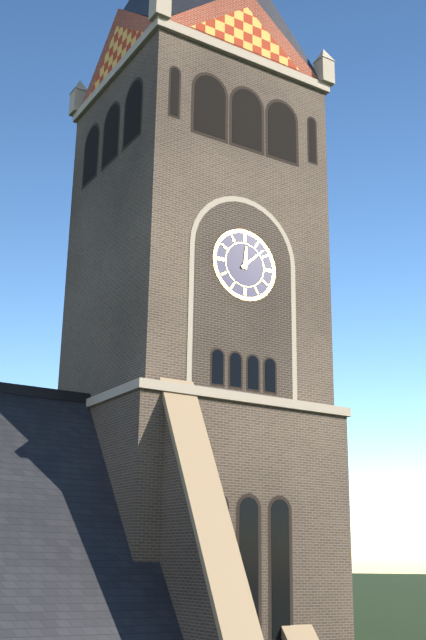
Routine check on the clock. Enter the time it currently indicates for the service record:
12:08
